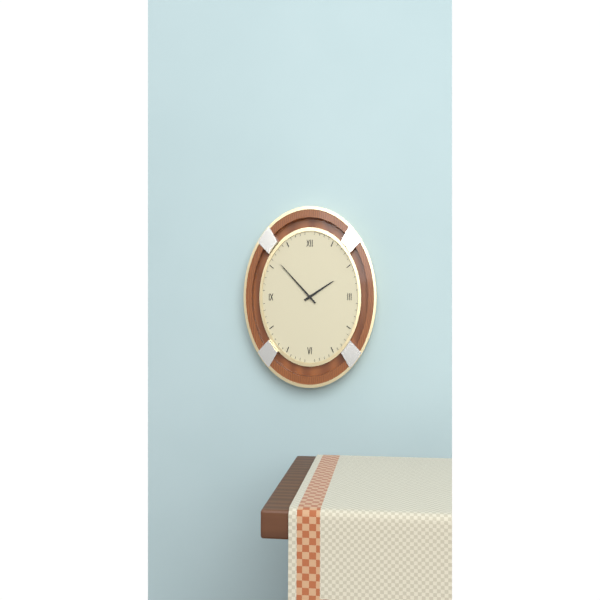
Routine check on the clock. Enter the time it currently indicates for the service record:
1:53
